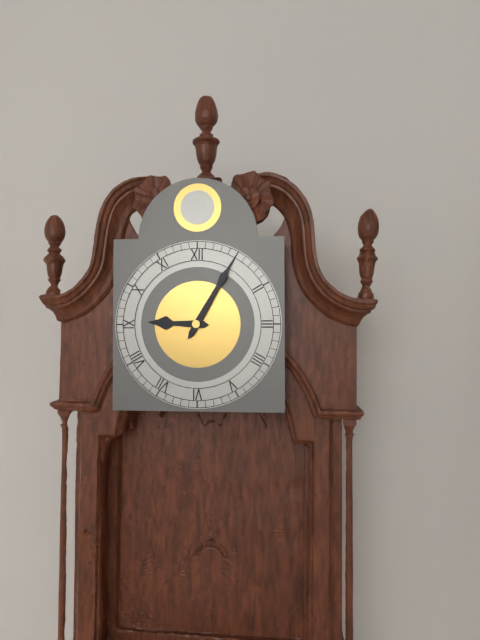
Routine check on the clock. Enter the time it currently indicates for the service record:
9:05
